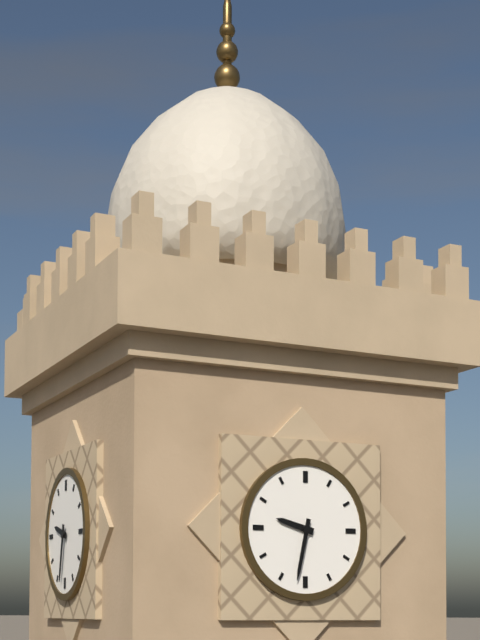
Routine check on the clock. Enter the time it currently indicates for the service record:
9:32
